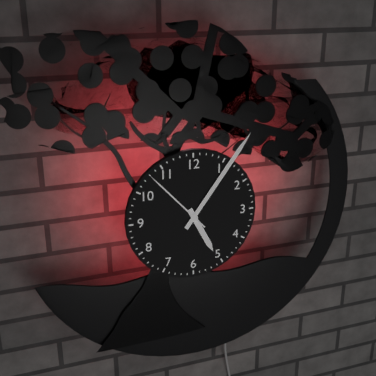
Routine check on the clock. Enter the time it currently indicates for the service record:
5:06:53
